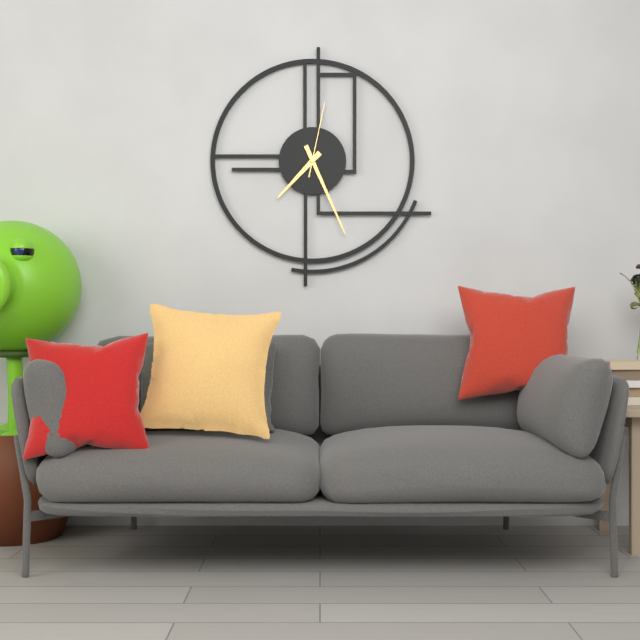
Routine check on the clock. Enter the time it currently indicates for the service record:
7:26:02
